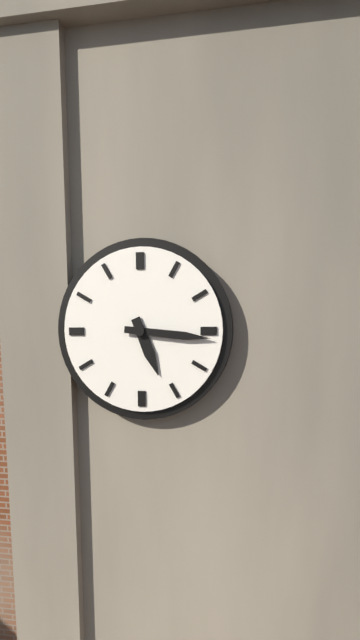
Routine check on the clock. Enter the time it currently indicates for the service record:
5:16
